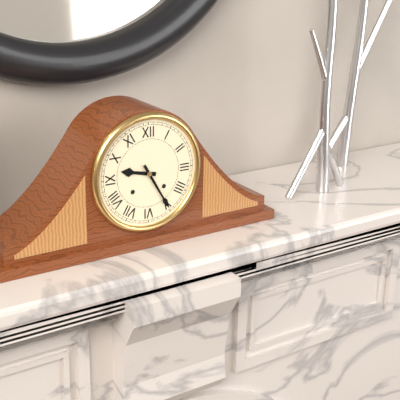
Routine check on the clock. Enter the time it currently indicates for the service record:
9:25
